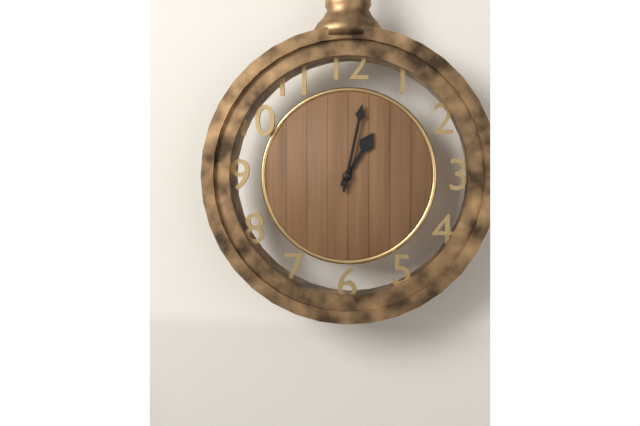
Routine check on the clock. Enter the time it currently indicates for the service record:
1:02
